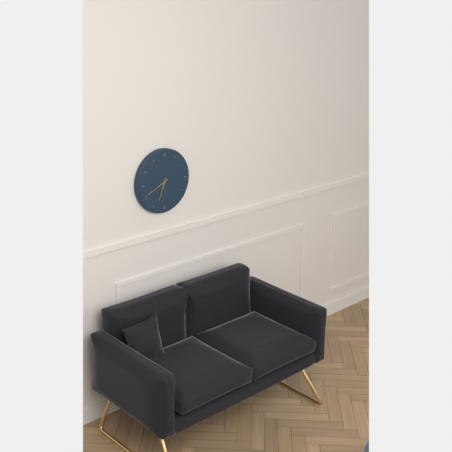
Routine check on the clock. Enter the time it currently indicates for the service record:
6:41
